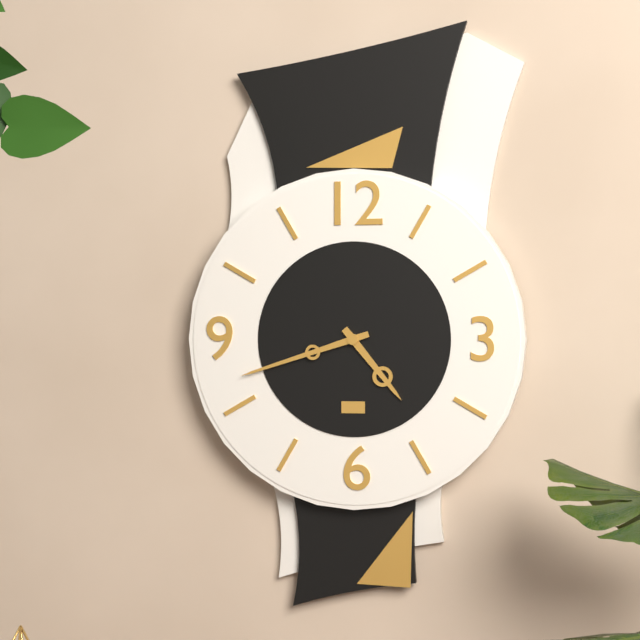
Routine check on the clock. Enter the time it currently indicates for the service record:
4:42
